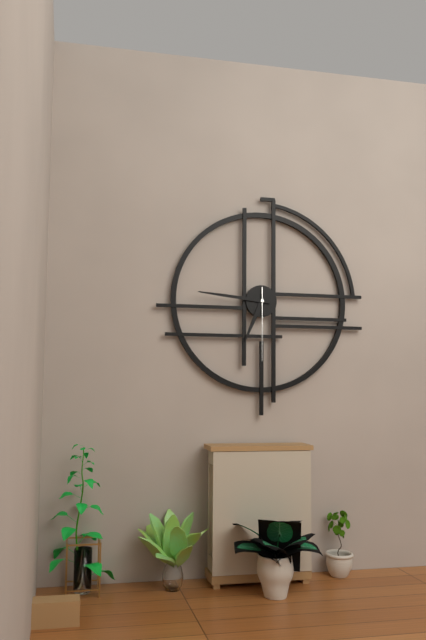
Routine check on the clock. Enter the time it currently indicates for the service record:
6:46:30
